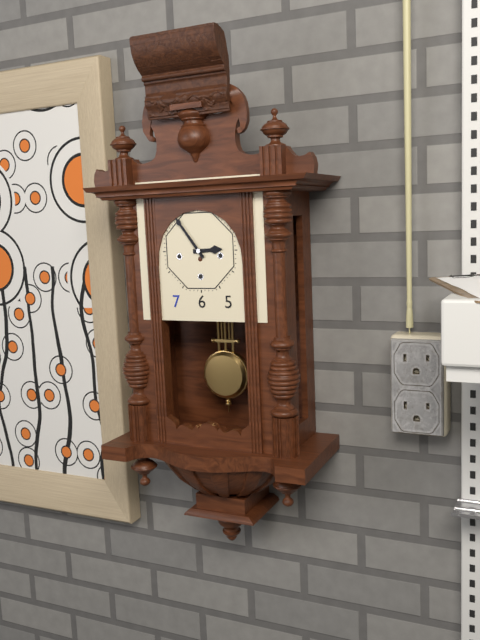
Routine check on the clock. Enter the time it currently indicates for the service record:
2:54
